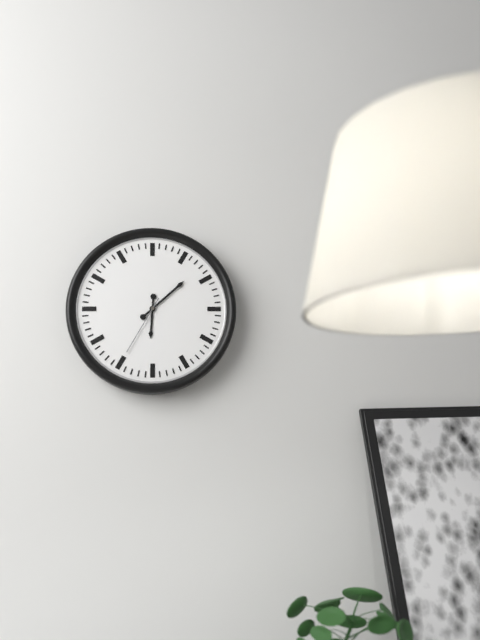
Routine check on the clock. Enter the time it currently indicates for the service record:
6:08:35
